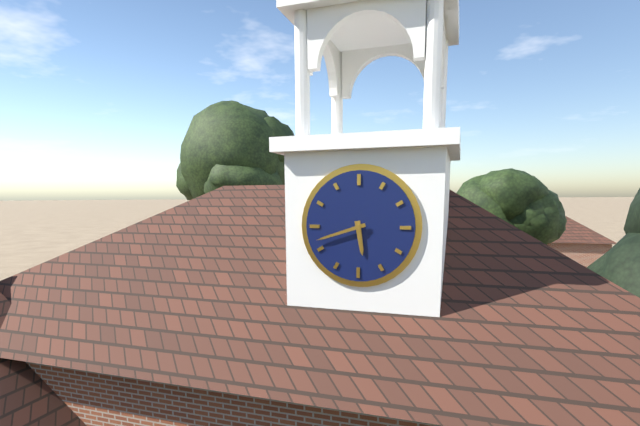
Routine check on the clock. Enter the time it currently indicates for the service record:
5:42
